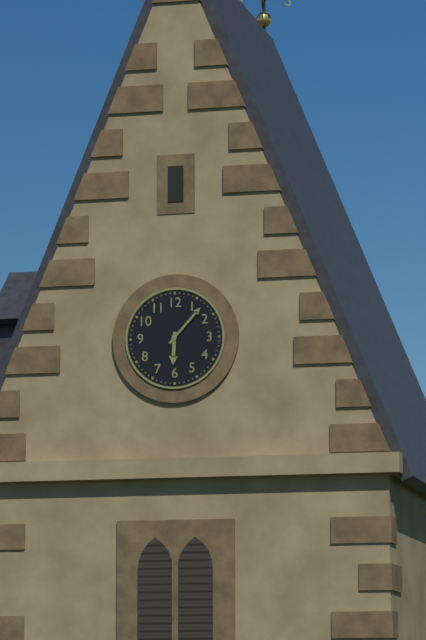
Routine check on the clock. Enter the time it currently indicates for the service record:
6:07
